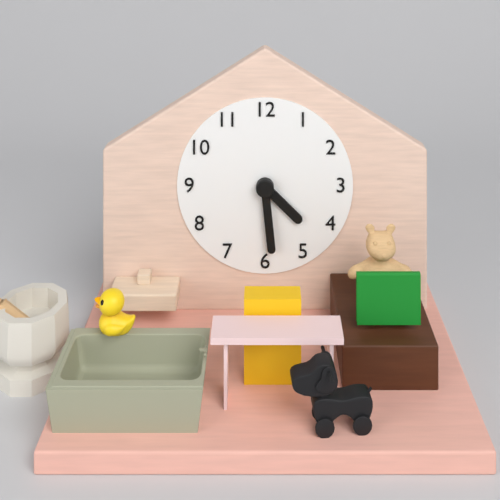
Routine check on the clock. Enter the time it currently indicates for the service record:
4:29
